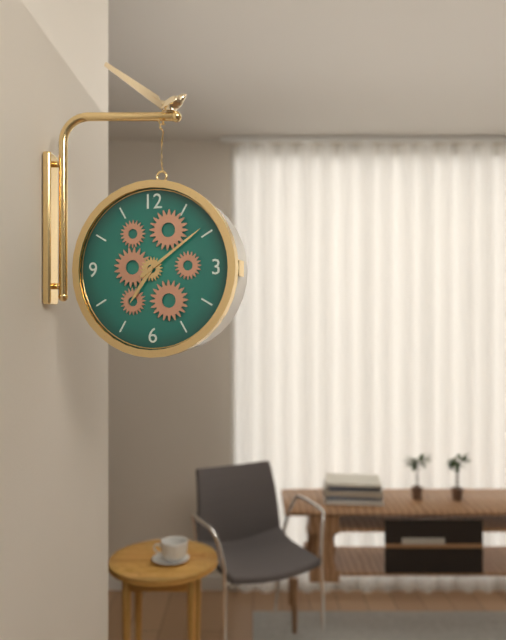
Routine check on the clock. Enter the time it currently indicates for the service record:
7:09
